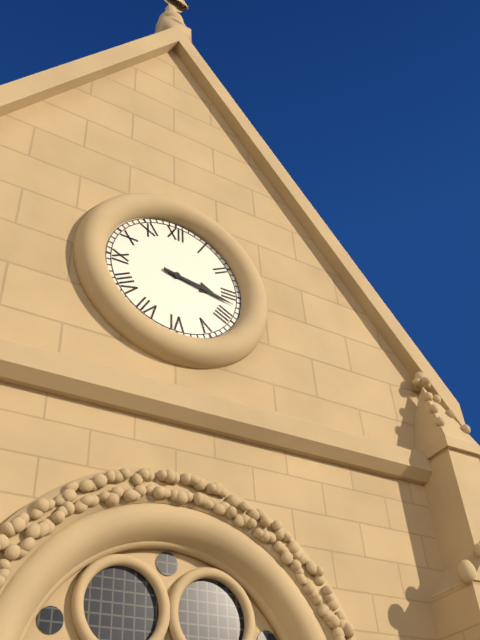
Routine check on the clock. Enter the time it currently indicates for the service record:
3:17
